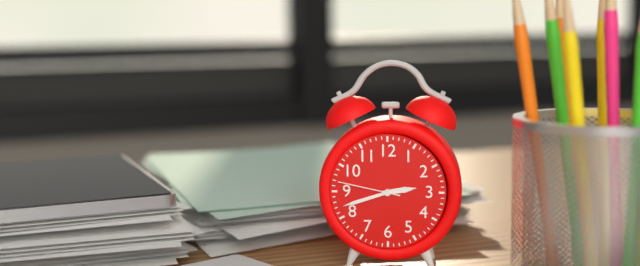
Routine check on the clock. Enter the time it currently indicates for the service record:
2:42:47
